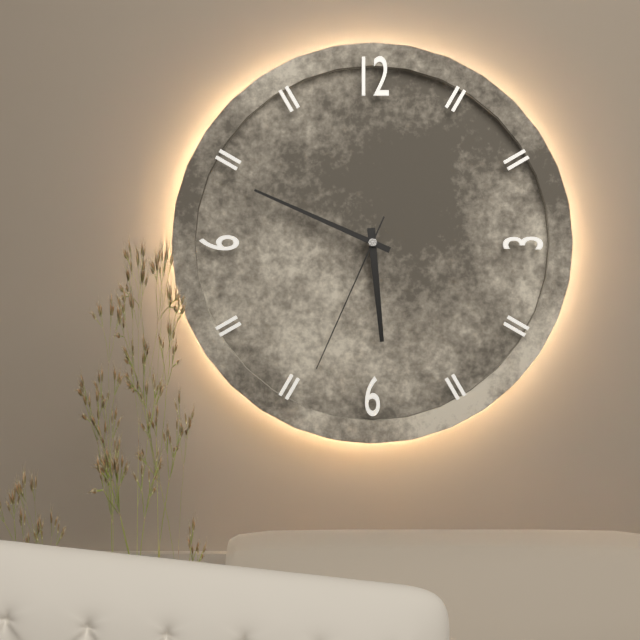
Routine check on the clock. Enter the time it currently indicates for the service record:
5:49:34
